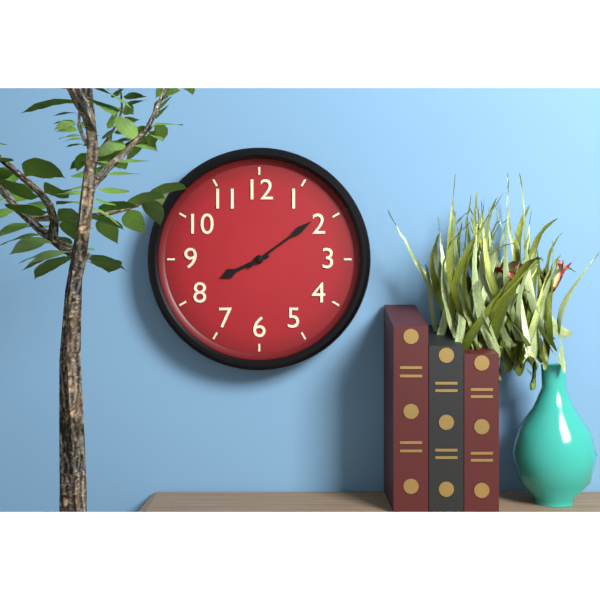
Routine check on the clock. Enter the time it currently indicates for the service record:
8:09
